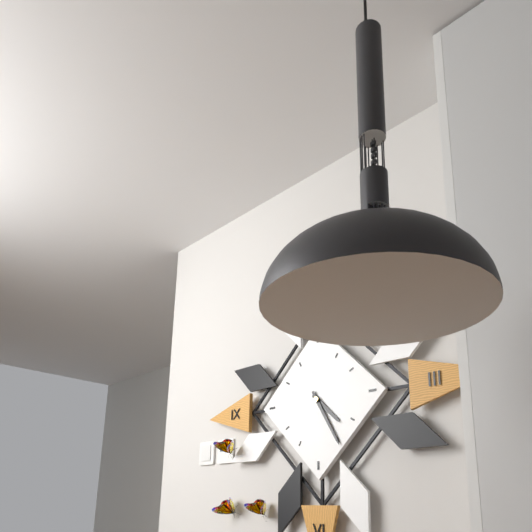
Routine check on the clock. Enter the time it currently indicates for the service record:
4:25
